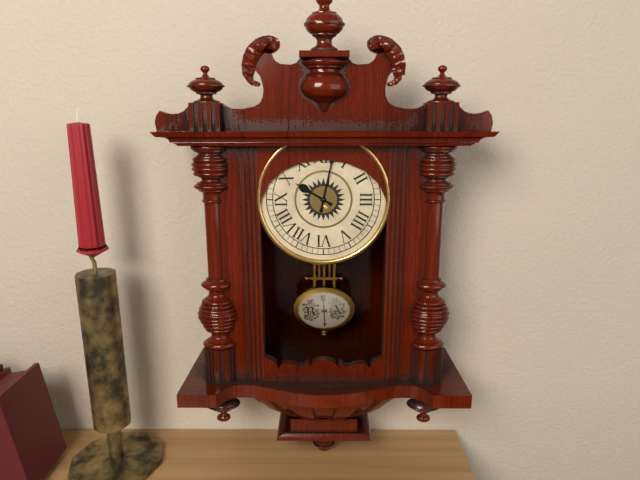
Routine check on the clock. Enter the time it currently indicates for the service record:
10:02
